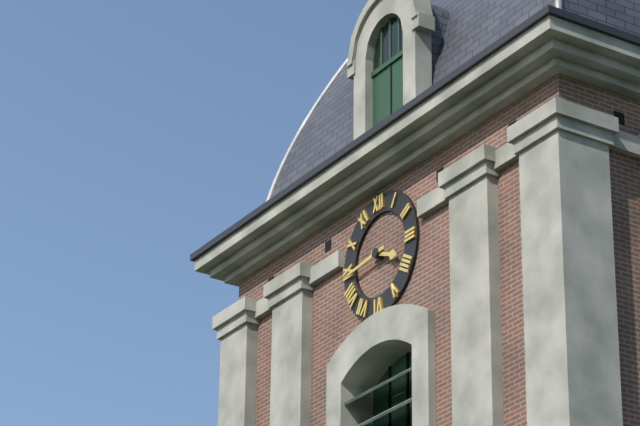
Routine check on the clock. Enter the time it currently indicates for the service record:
3:44
